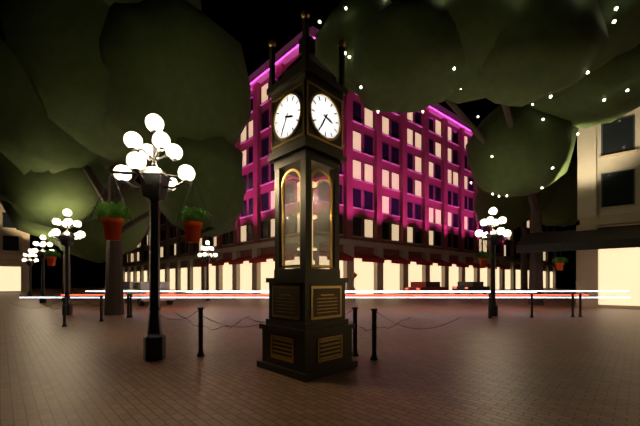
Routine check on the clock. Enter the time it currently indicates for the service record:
3:35
